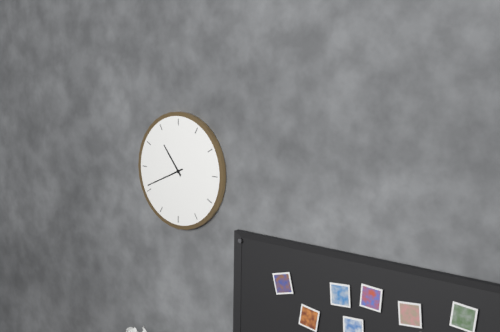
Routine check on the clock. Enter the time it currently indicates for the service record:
10:41
